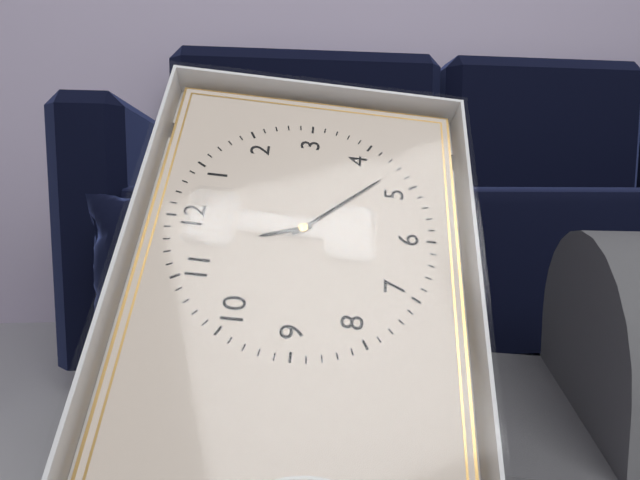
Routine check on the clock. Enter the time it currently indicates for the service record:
11:23
